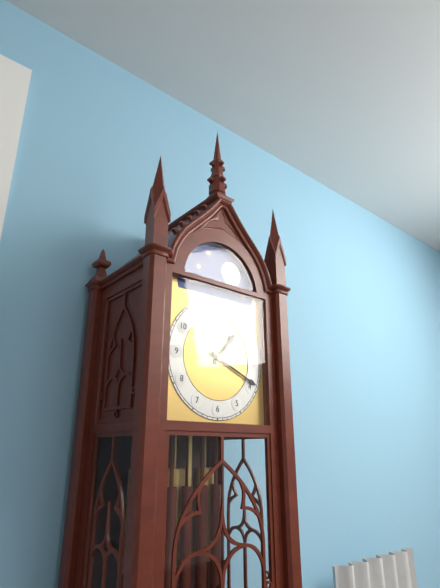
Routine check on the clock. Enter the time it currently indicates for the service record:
1:19
